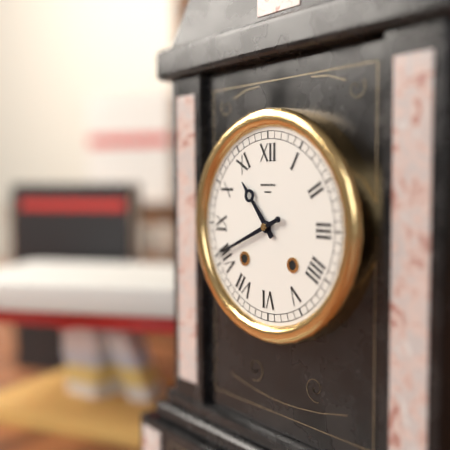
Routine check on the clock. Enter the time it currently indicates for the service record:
10:41
